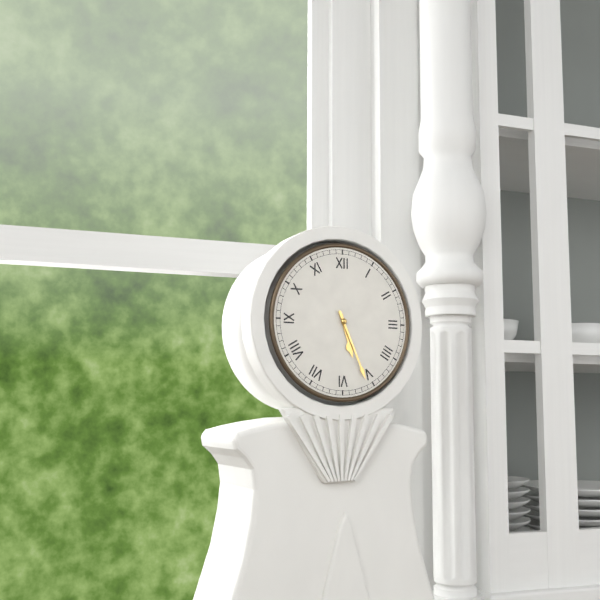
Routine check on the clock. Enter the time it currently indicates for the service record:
5:26
